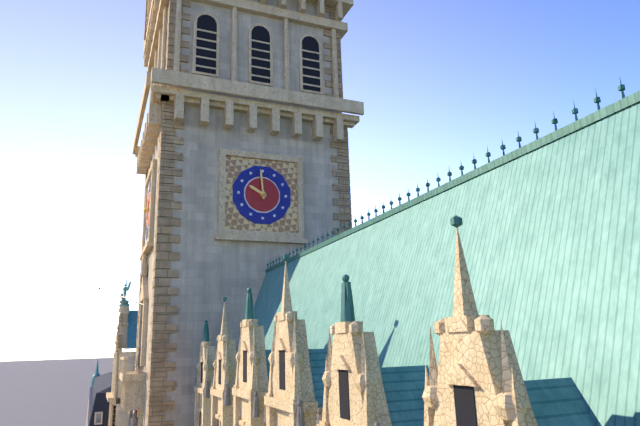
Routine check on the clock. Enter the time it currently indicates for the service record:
9:59
